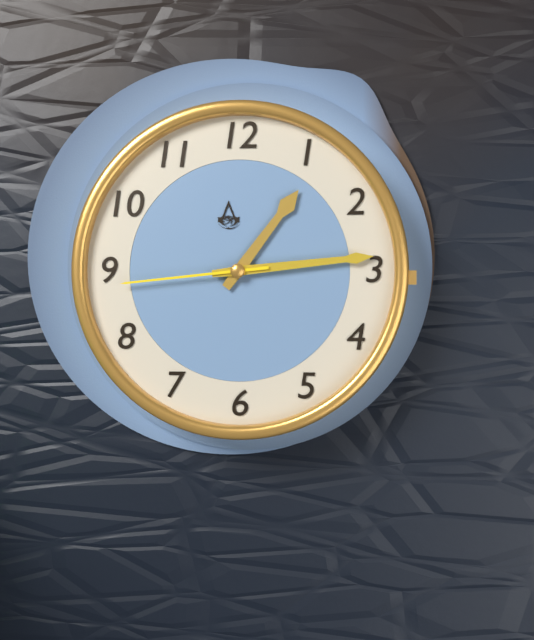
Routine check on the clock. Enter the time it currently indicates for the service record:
1:14:44
